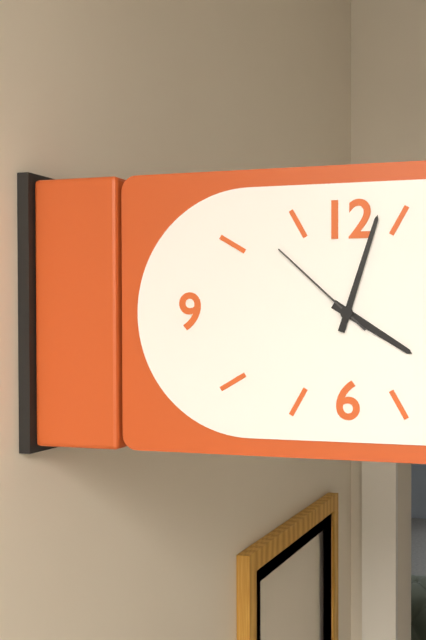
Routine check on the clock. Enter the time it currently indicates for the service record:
4:03:52
